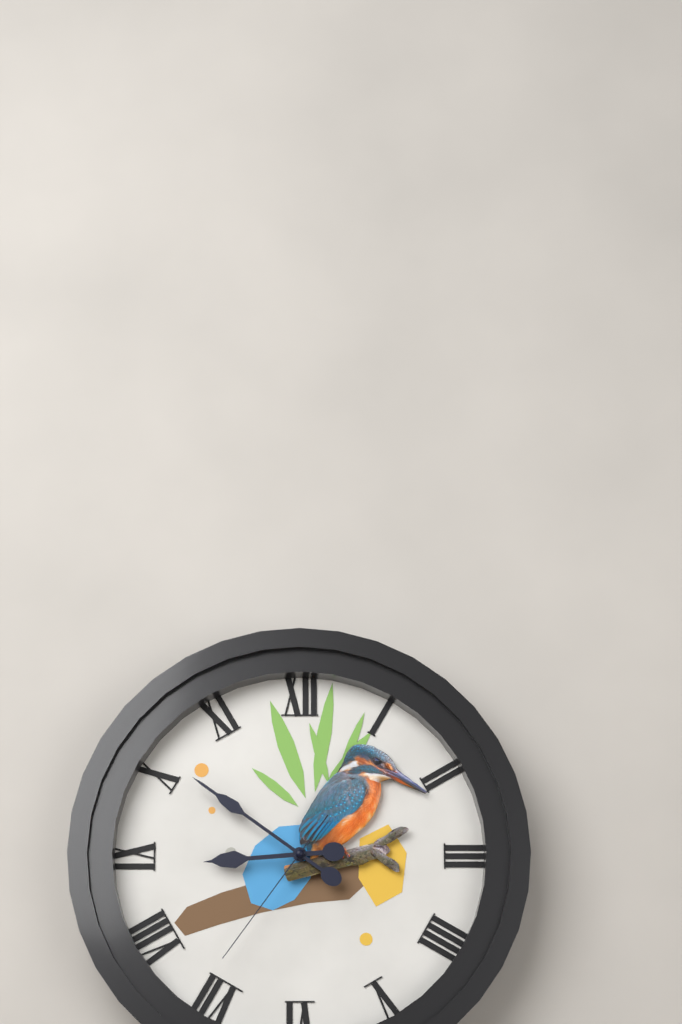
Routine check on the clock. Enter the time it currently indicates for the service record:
8:51:36
